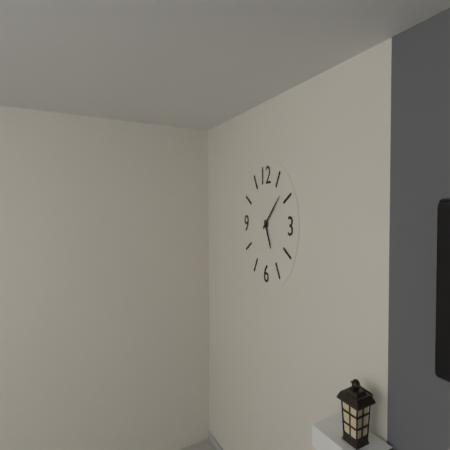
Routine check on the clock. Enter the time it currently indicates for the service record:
5:08
